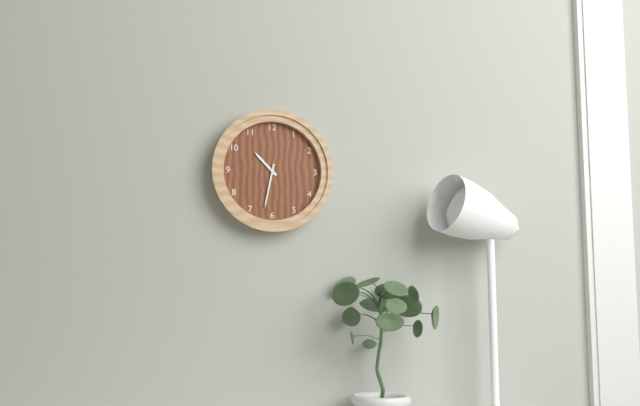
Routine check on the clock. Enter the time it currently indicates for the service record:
10:32
